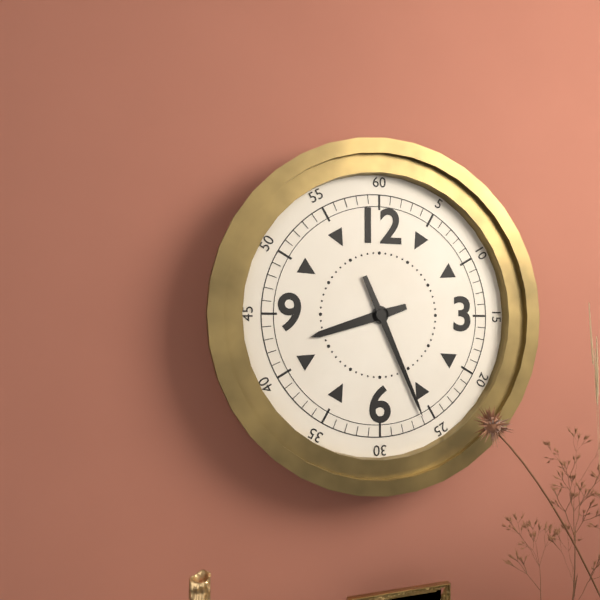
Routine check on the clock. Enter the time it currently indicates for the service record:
8:26
